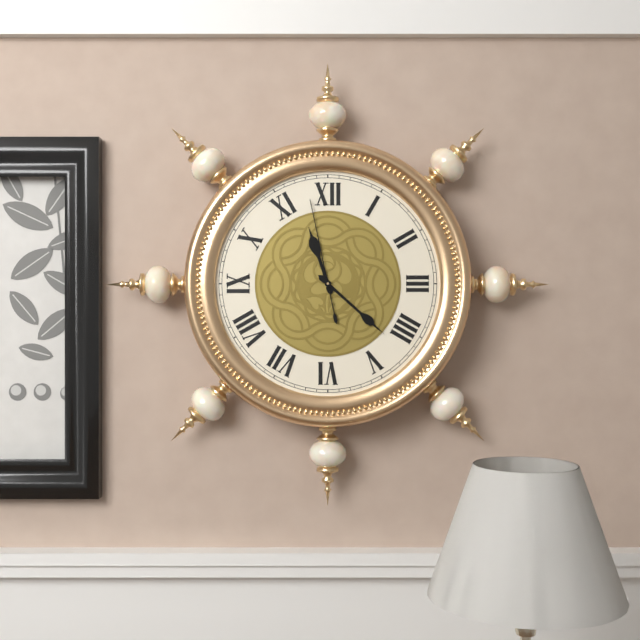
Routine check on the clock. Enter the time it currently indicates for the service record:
11:22:58
